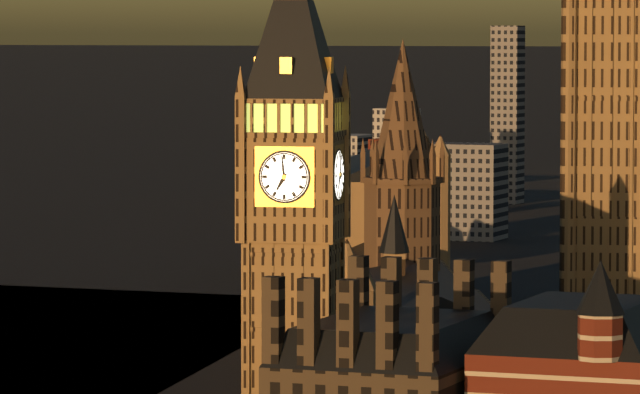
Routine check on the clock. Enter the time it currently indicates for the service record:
6:59
